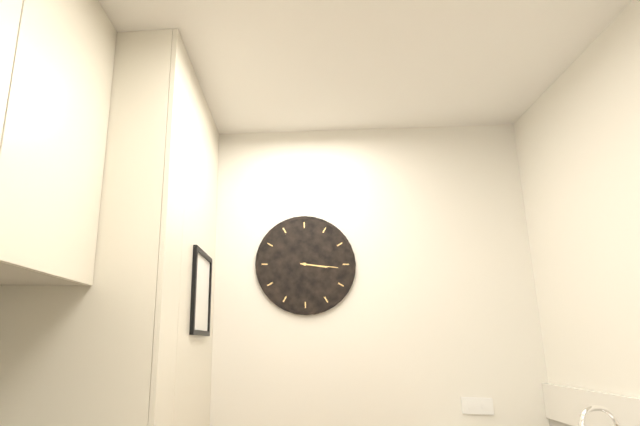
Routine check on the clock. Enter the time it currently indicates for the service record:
3:16
